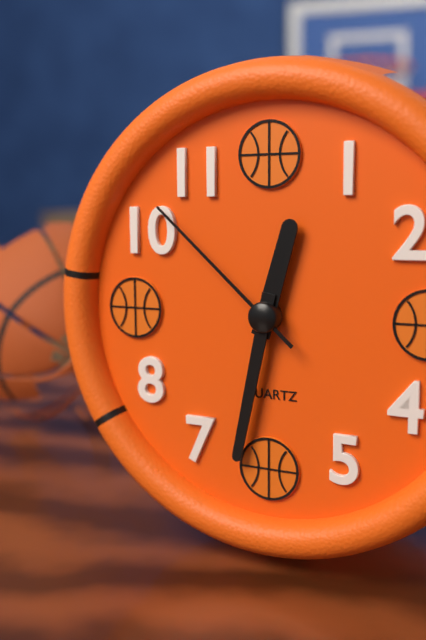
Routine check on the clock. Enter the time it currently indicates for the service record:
12:32:52
